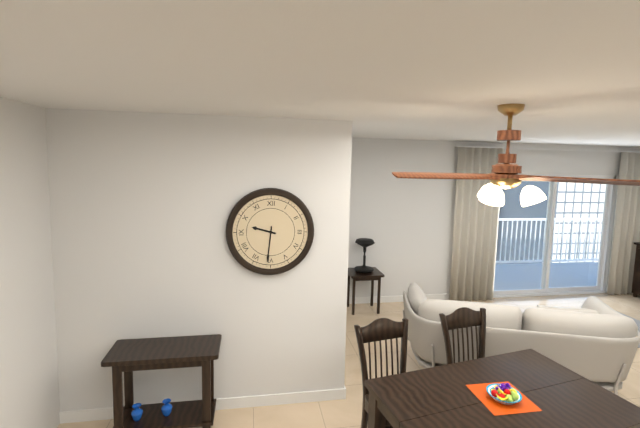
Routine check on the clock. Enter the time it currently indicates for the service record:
9:31
